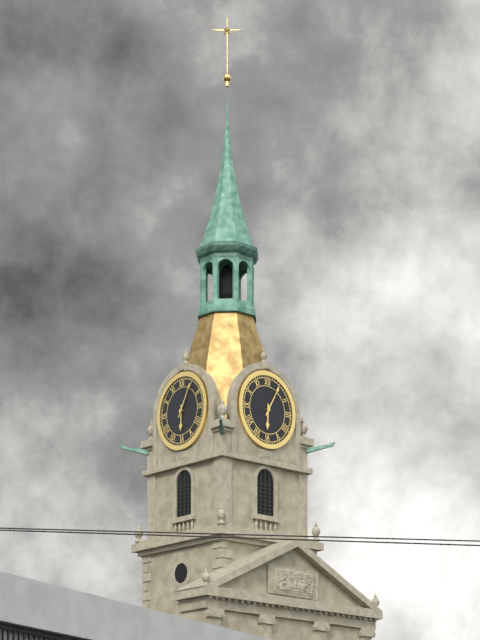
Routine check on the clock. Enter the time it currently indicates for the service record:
6:05
